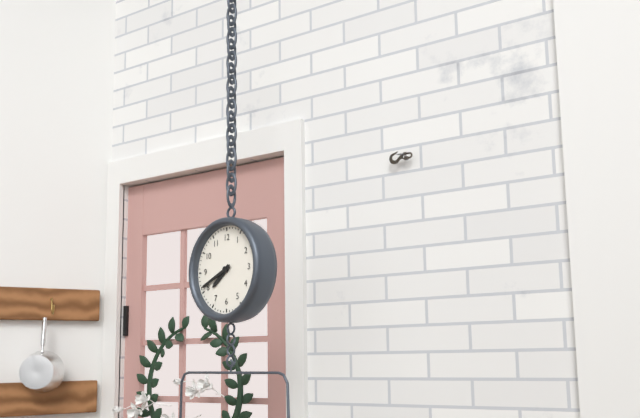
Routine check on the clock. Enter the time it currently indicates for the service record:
7:41
